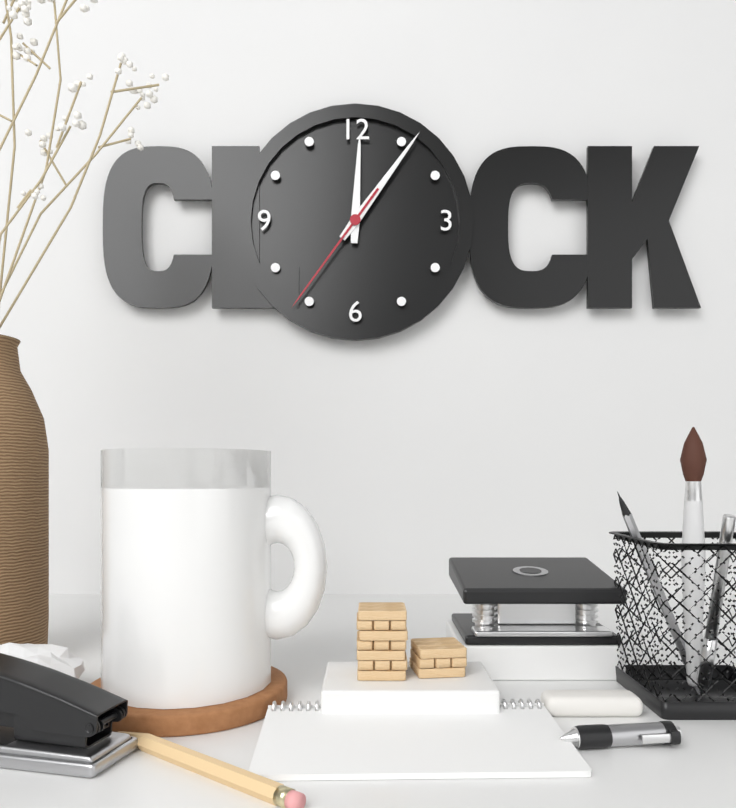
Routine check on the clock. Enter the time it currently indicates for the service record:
12:06:36
